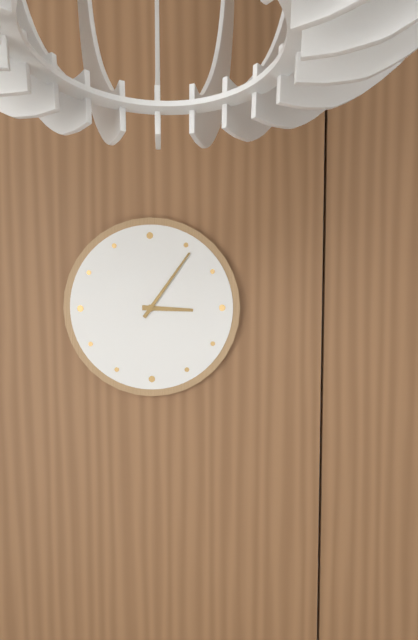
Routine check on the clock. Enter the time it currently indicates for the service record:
3:06
